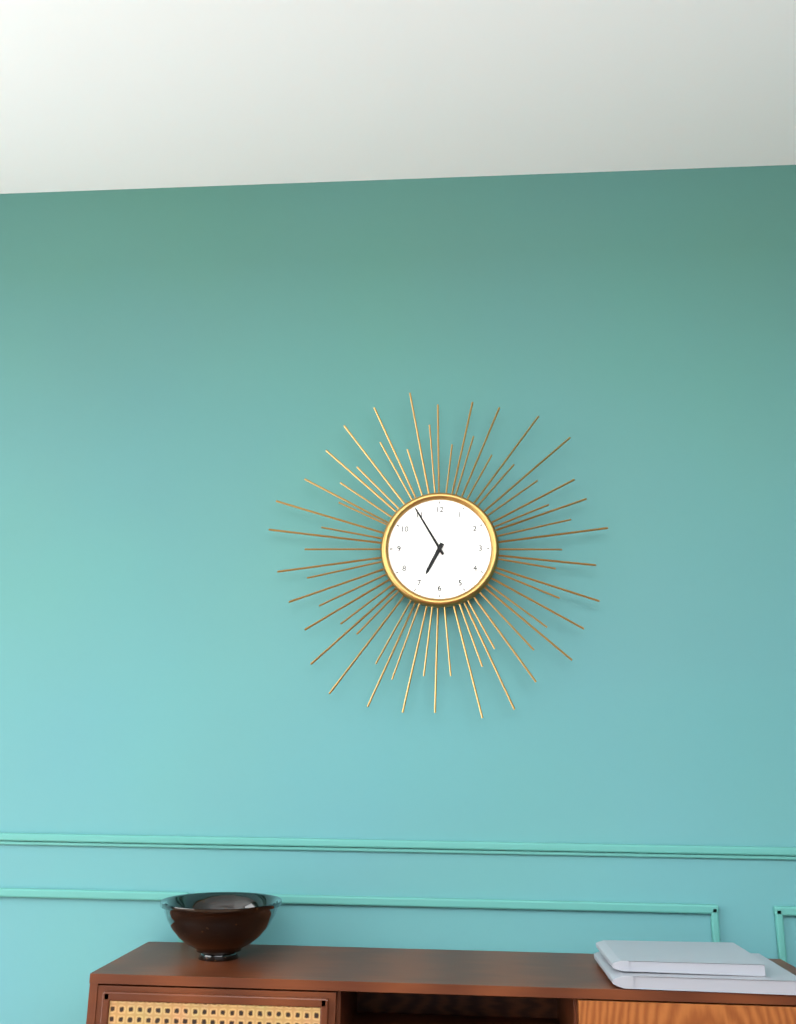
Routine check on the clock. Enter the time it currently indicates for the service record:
6:55
